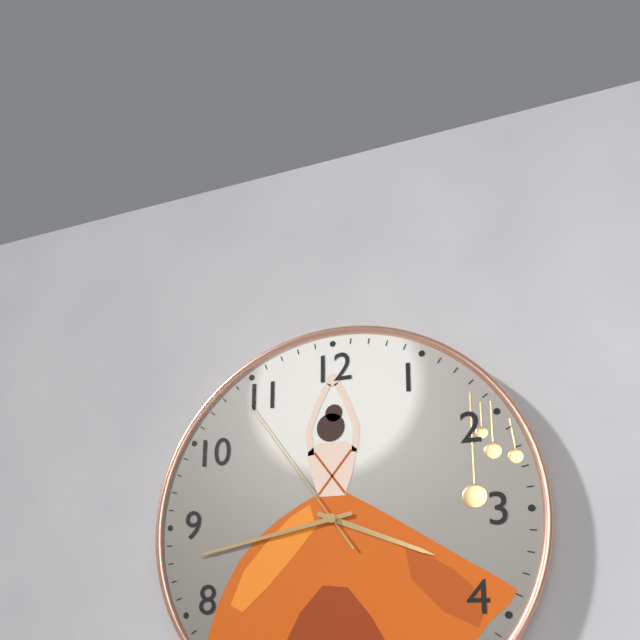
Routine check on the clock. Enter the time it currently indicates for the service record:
3:43:54
